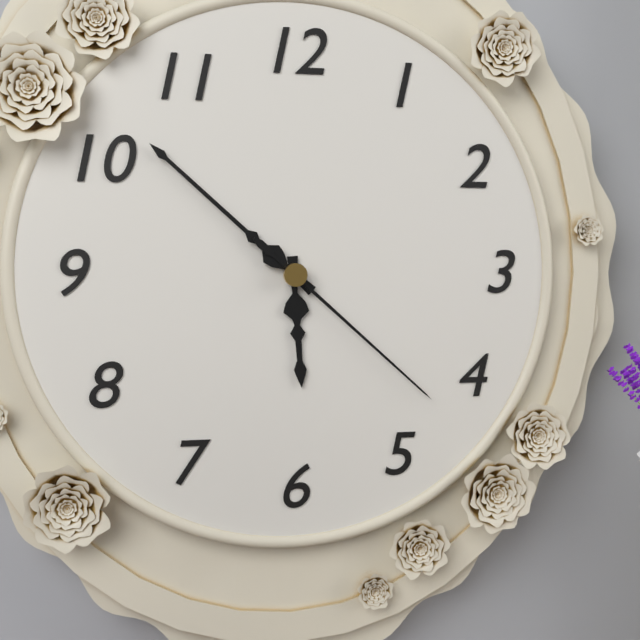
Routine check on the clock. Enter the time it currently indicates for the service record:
5:52:22
